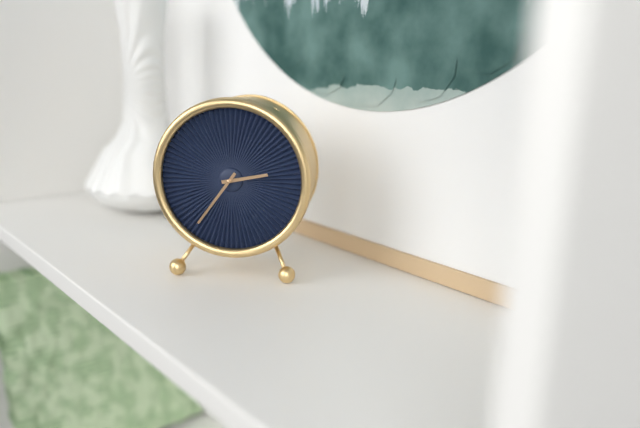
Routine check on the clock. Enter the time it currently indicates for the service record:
2:36
